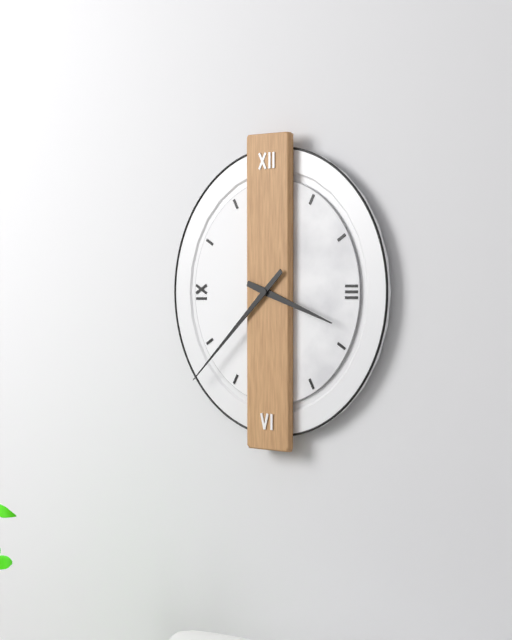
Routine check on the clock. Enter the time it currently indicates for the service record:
3:38
